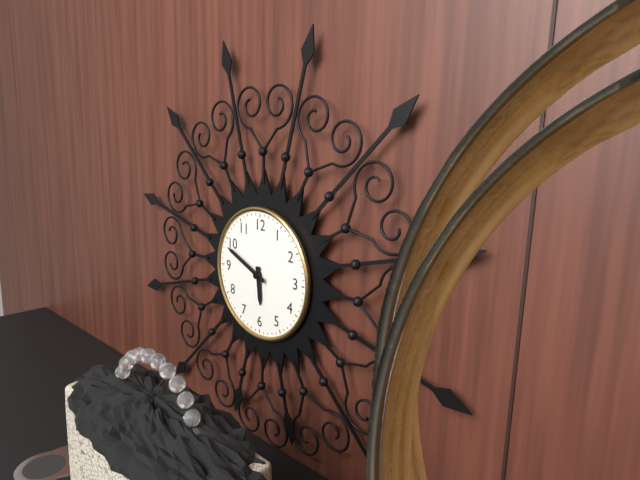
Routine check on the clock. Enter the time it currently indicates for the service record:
5:49
